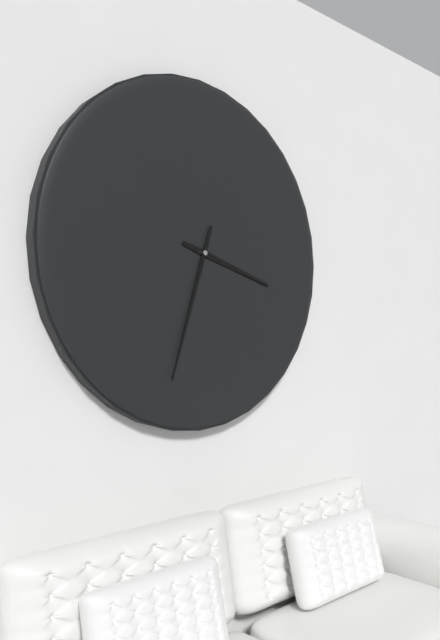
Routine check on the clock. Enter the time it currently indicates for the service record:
3:33
